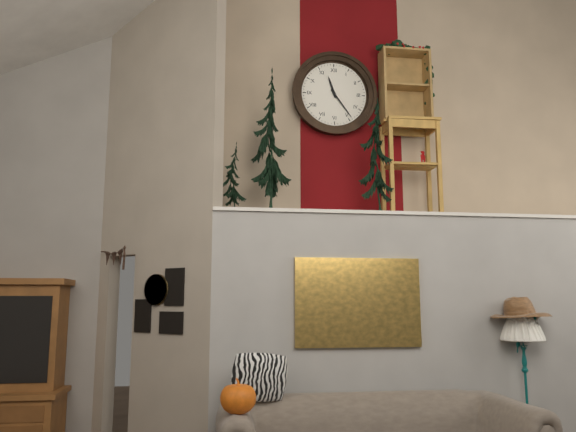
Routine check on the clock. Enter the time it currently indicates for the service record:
11:24
